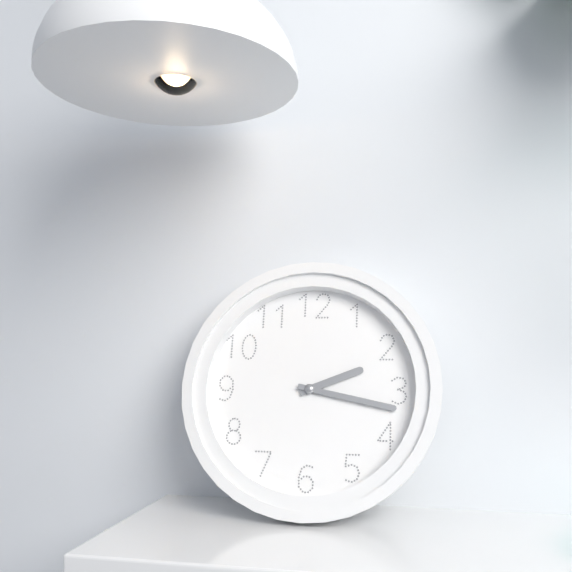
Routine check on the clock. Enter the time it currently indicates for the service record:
2:17
